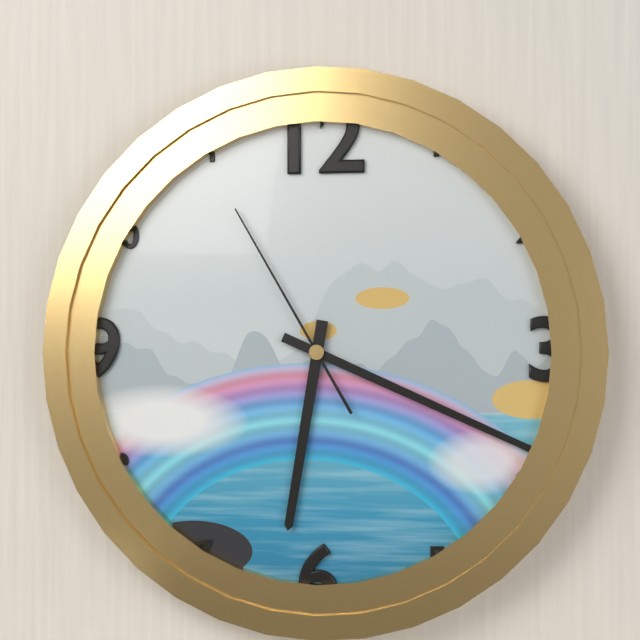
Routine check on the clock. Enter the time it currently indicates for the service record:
6:19:55
